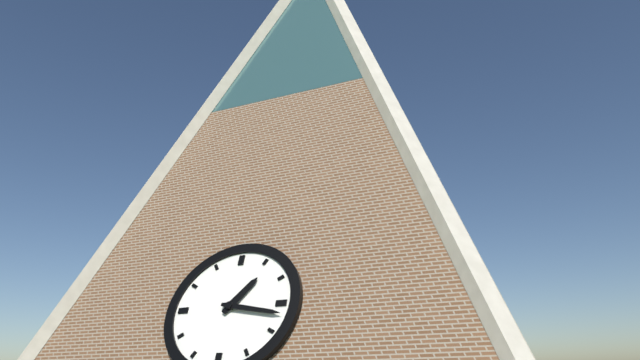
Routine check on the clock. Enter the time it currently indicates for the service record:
1:17
